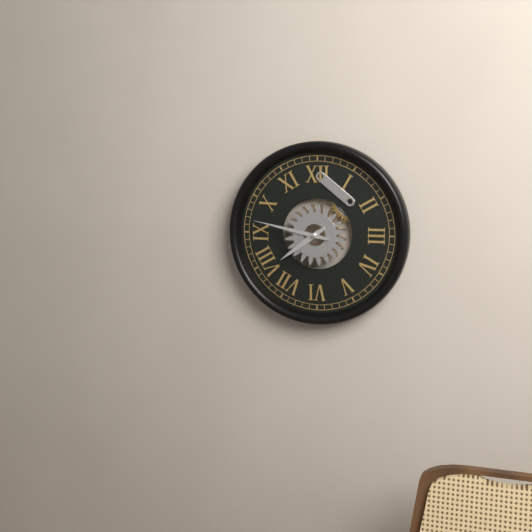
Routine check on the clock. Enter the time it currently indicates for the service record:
7:47
